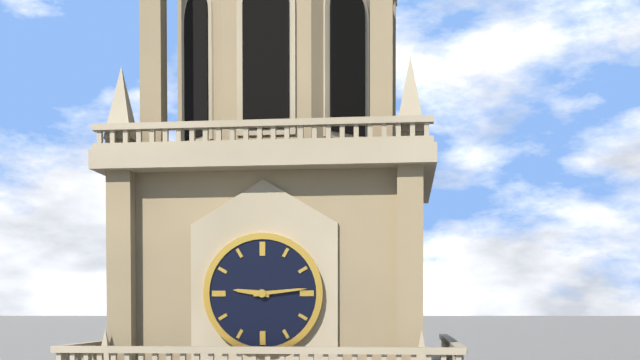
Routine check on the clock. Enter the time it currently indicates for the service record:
9:14
